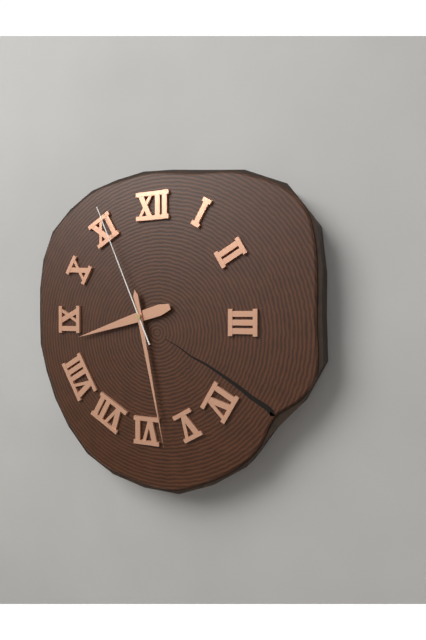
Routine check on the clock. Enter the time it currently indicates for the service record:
8:28:56
